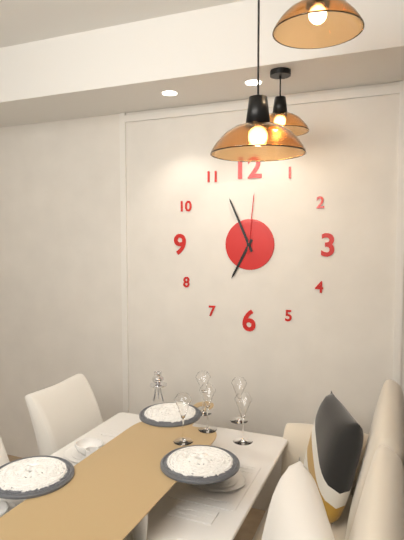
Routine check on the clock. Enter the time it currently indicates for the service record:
6:56:01
